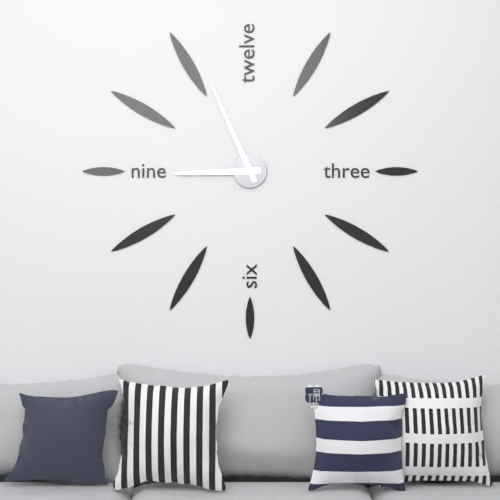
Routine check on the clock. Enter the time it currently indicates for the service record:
8:56
